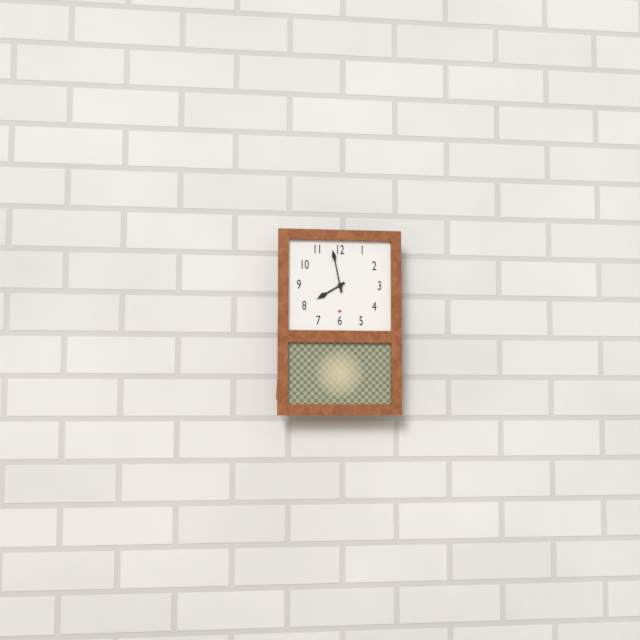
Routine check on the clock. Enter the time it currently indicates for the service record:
7:58
